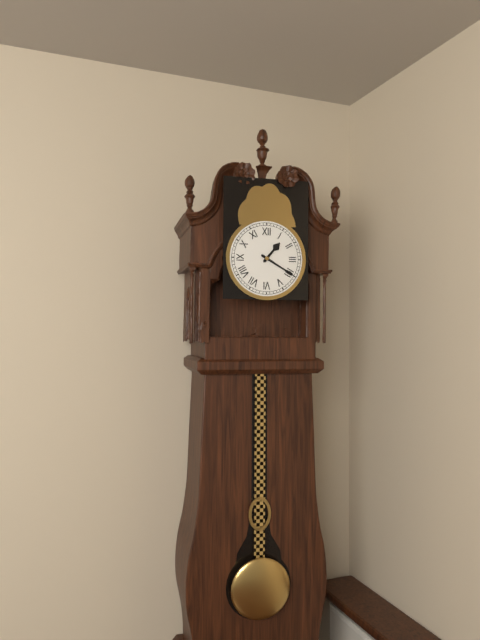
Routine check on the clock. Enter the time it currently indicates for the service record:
1:20
